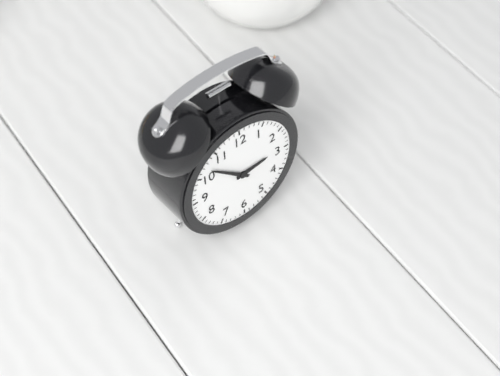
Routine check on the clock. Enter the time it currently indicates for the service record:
2:52
